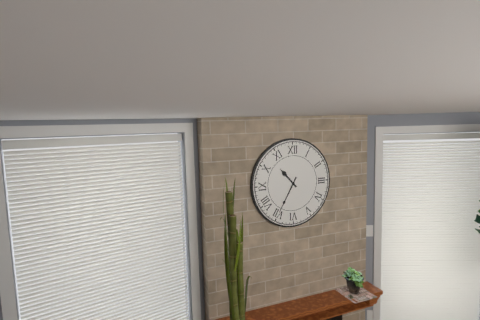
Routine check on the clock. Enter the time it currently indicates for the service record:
10:35
